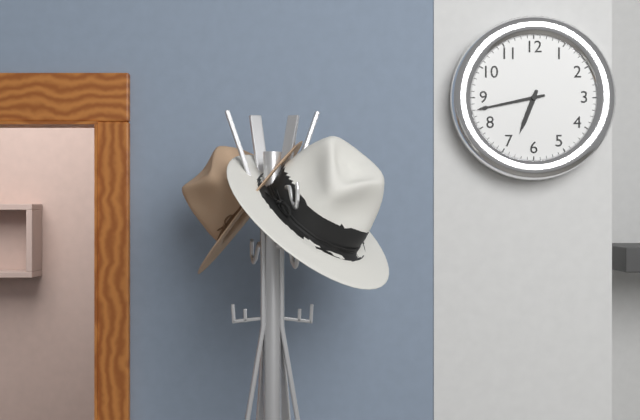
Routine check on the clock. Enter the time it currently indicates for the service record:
6:43
